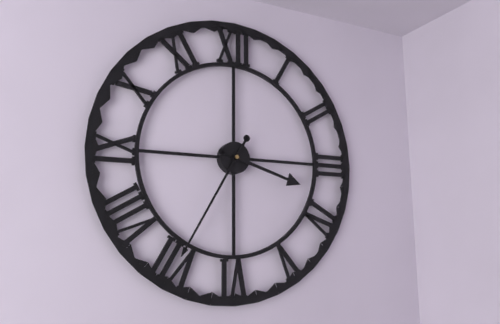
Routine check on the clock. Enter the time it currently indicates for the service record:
3:35
